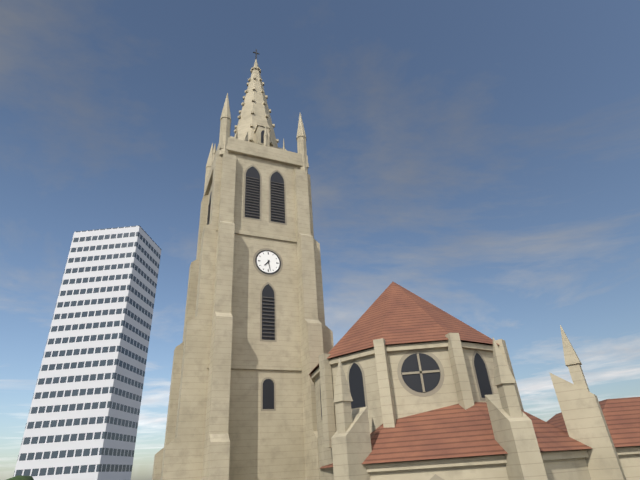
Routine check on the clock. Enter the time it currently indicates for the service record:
7:28
